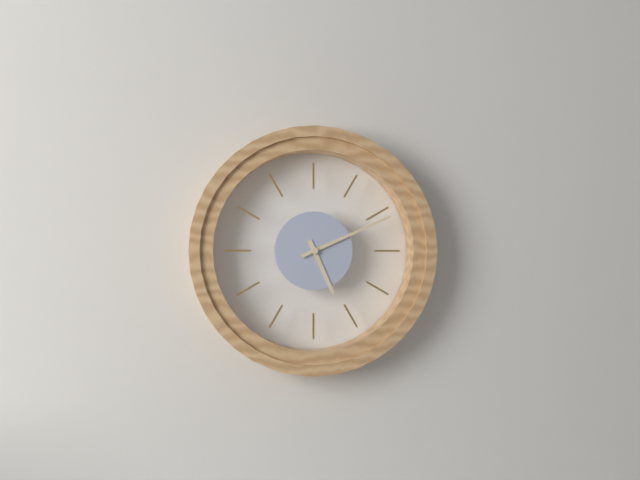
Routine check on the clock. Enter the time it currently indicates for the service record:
5:11
